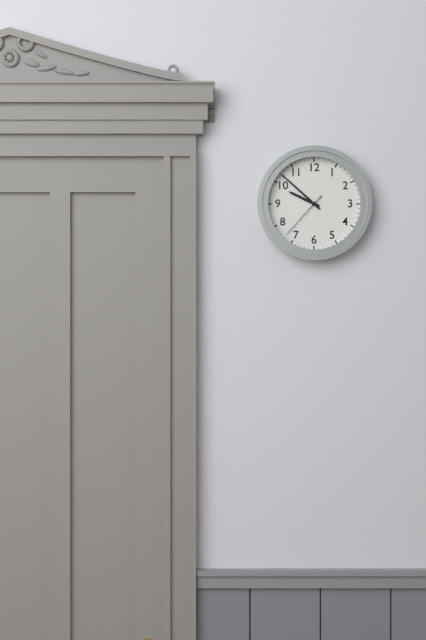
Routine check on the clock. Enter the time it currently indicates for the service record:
9:52:37
